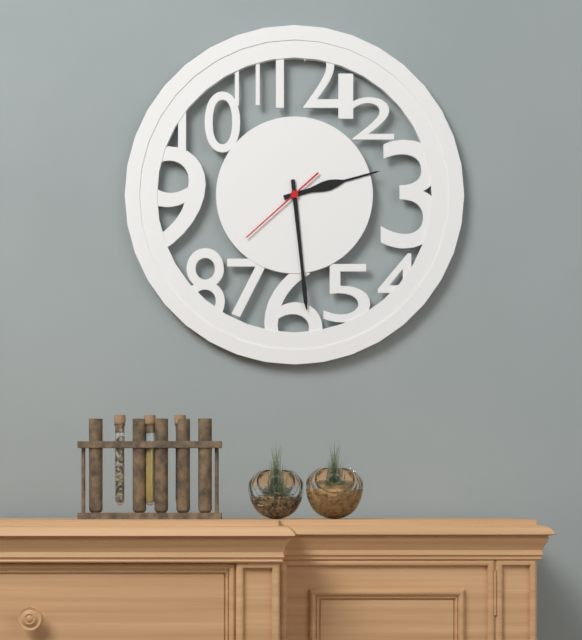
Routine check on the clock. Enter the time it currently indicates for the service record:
2:29:38
